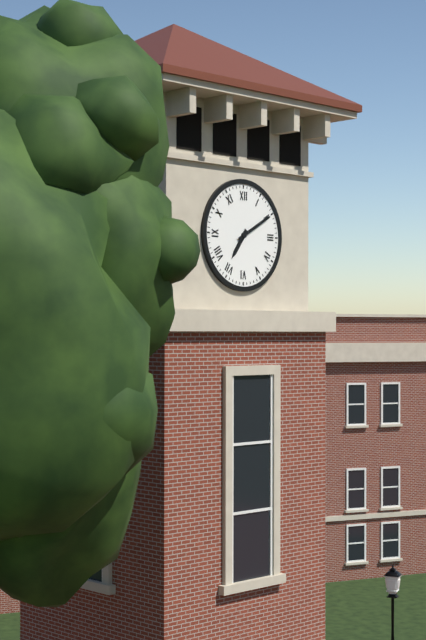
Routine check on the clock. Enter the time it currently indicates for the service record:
7:10
